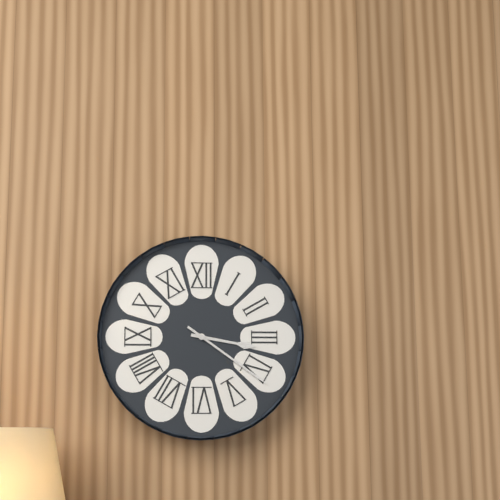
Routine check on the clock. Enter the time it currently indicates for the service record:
3:21
